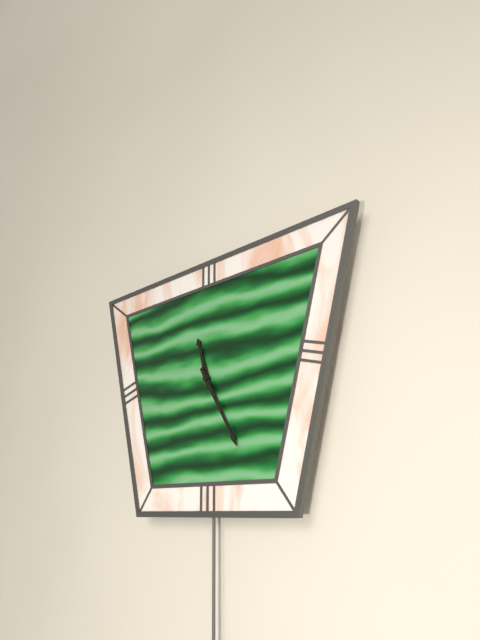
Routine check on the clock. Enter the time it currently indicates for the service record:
11:25
